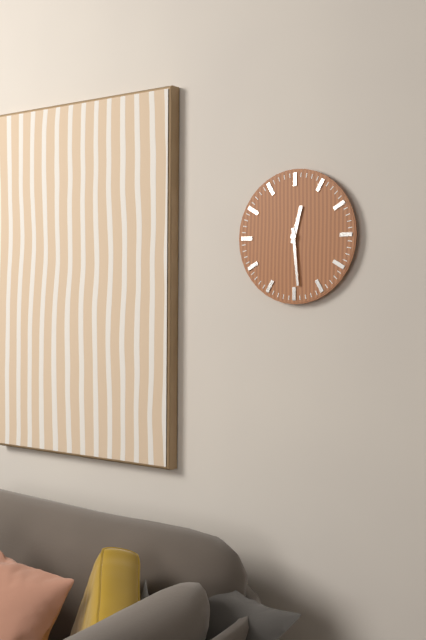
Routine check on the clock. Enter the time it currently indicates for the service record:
12:29
